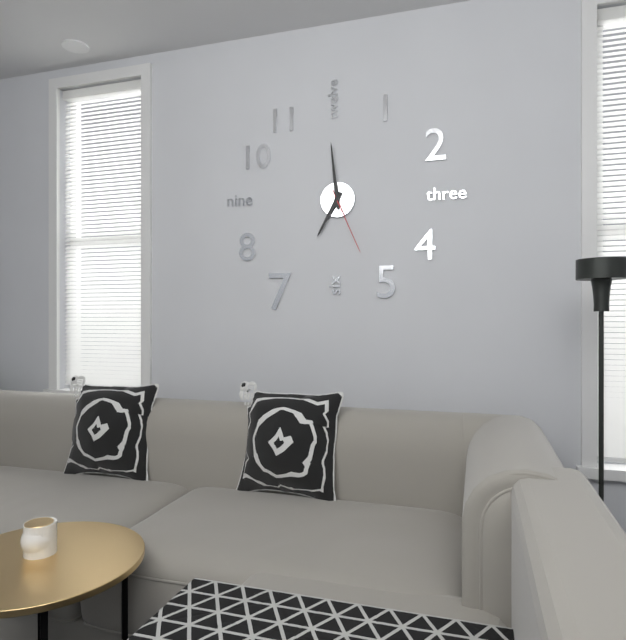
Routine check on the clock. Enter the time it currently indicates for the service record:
6:59:26
